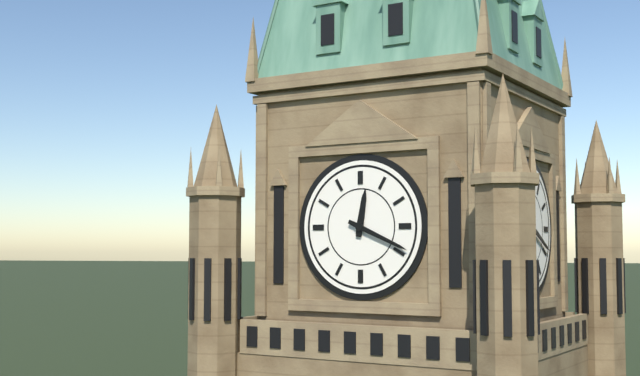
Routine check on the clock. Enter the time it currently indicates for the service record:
12:19
